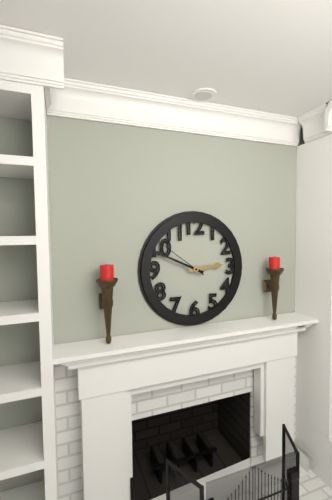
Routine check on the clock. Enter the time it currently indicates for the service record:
2:49:51
